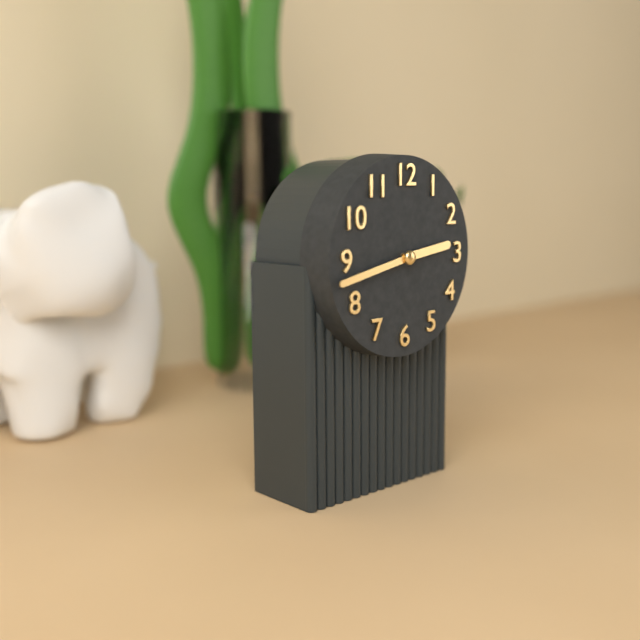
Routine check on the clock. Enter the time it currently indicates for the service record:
2:43
